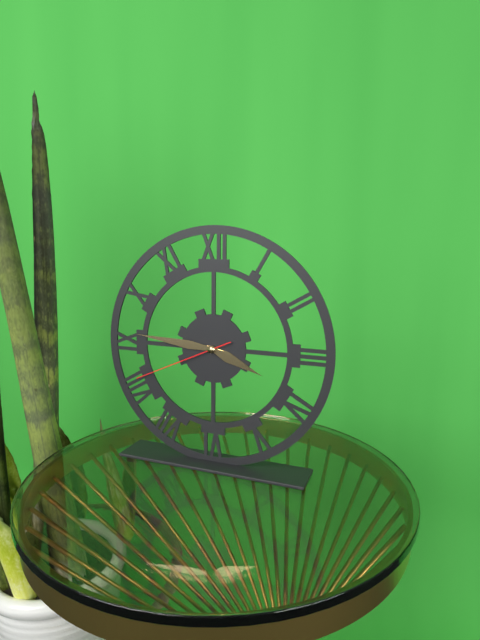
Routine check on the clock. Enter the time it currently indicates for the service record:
3:46:41
